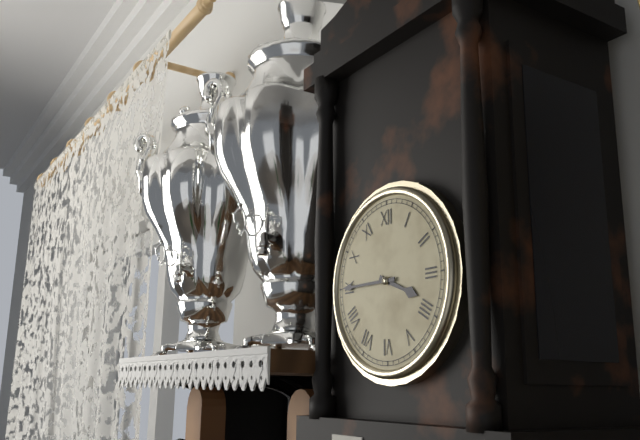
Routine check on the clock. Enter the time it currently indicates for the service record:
3:45
